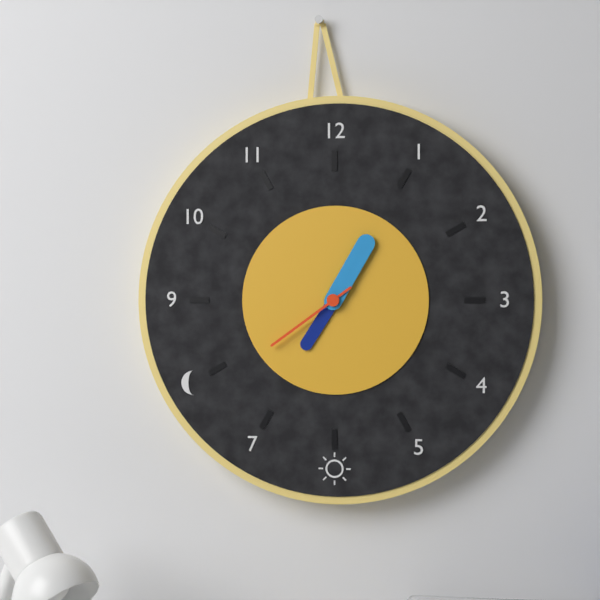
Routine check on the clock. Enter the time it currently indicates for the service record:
7:05:39
